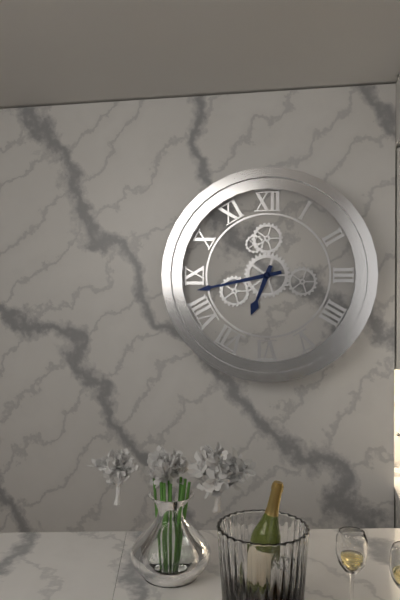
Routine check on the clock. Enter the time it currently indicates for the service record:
6:43
